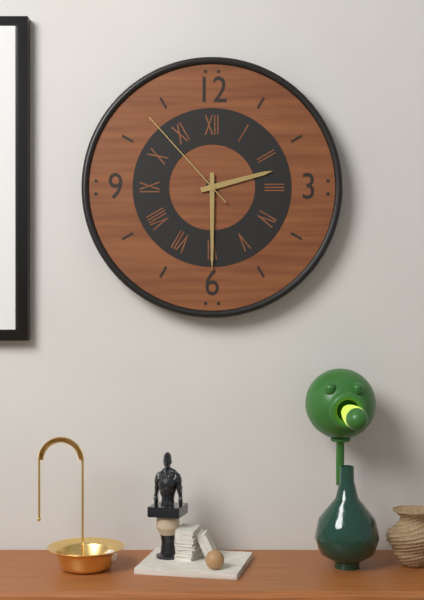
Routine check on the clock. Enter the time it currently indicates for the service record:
2:30:53
